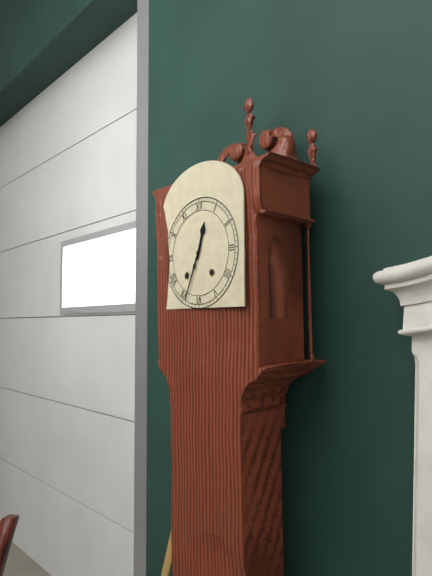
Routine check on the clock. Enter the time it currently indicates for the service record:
12:34
